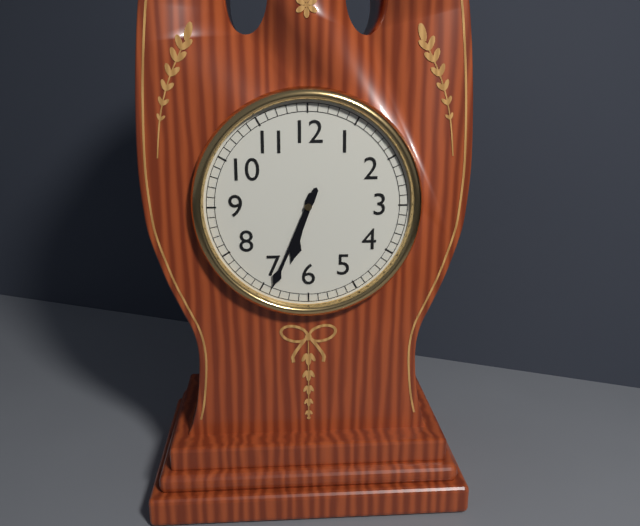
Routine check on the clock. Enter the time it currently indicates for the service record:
6:34
